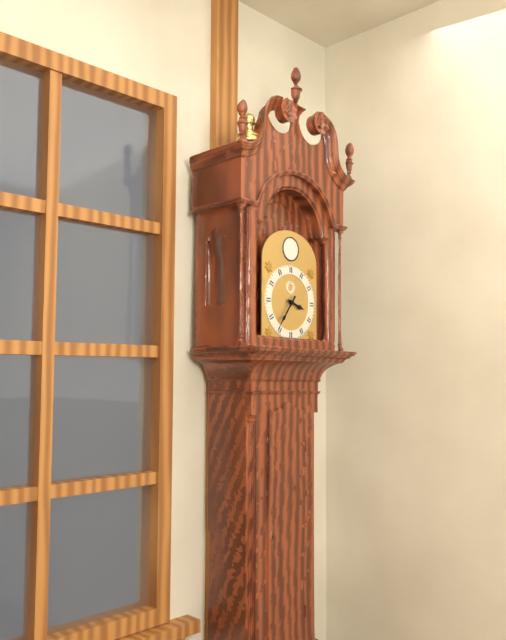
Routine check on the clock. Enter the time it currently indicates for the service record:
3:36
